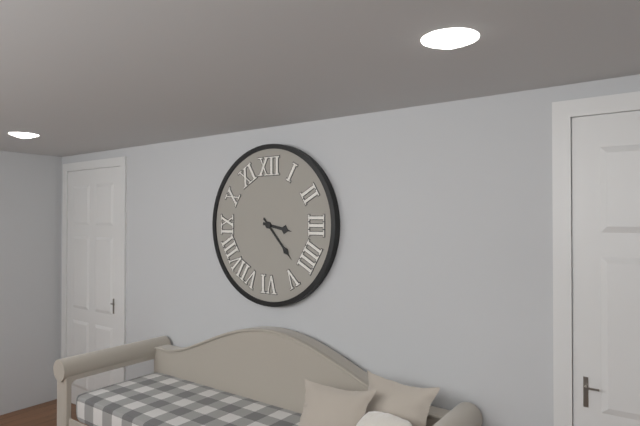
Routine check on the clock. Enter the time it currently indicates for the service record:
3:23
